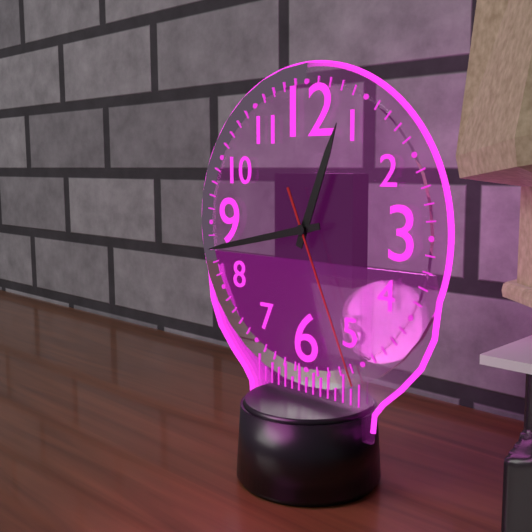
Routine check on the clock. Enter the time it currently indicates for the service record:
12:43:26
